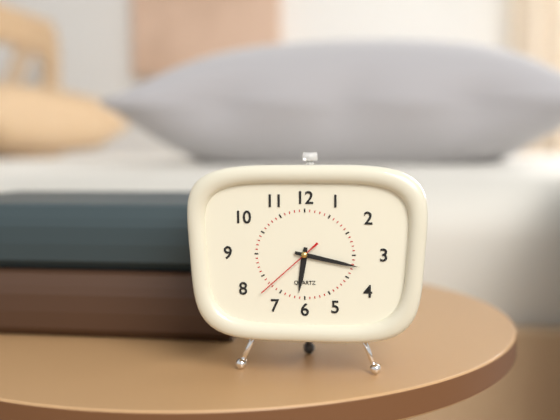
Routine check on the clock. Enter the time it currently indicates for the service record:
6:17:38
